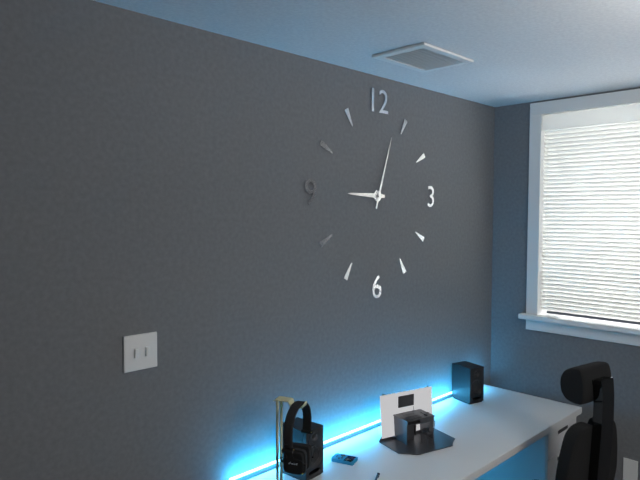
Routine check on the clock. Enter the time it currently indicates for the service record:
9:03
